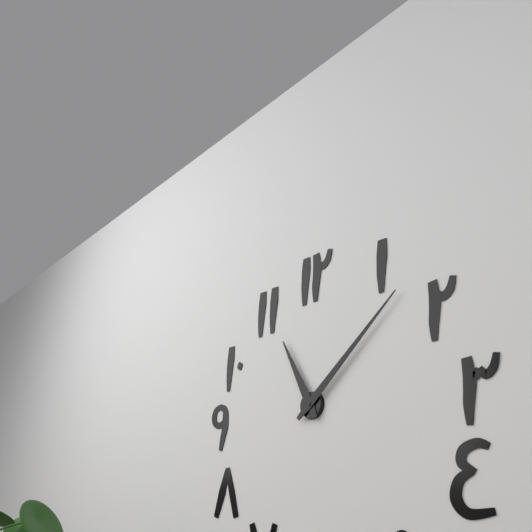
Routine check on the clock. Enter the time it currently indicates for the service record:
11:08
